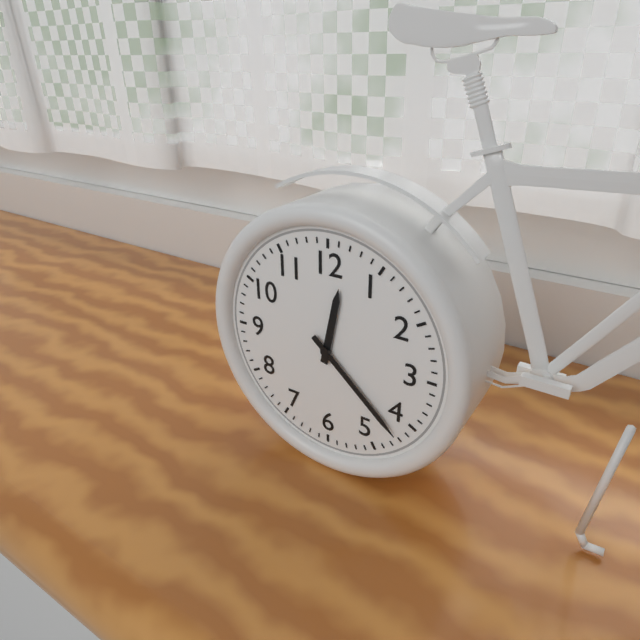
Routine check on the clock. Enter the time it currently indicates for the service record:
12:22
